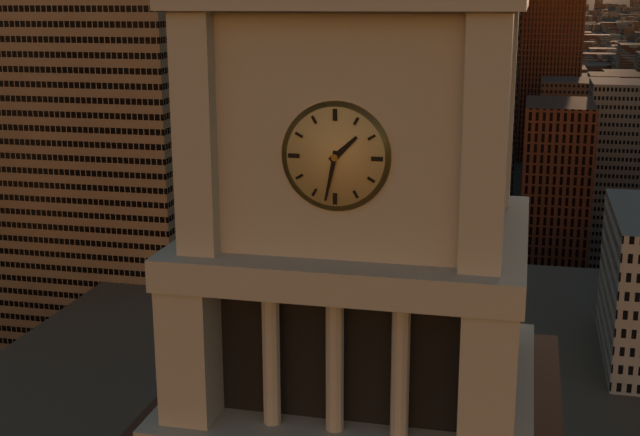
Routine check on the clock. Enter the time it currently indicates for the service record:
1:32
